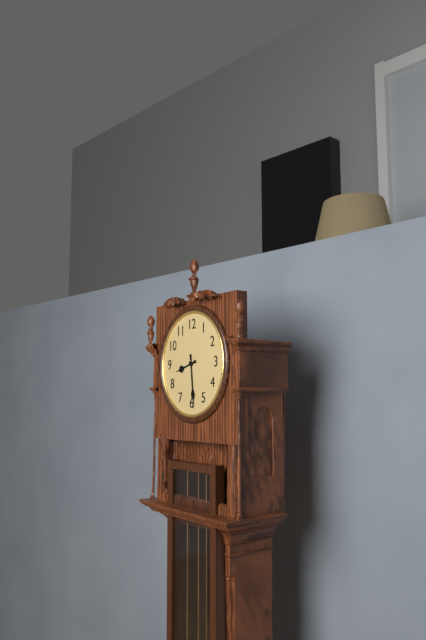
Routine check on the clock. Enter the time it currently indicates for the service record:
8:29
